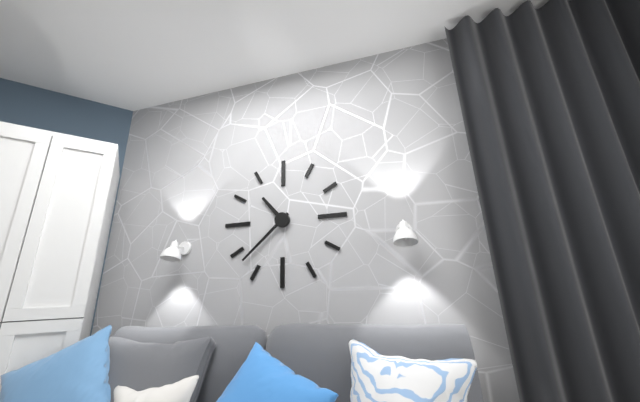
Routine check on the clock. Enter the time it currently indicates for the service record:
10:38
